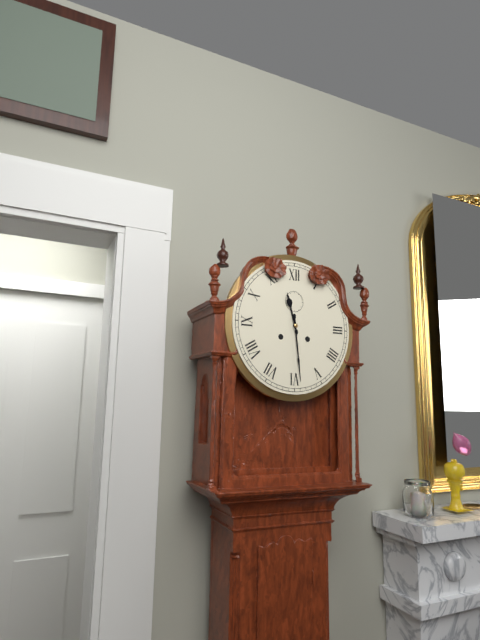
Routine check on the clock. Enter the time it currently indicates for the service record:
11:29
